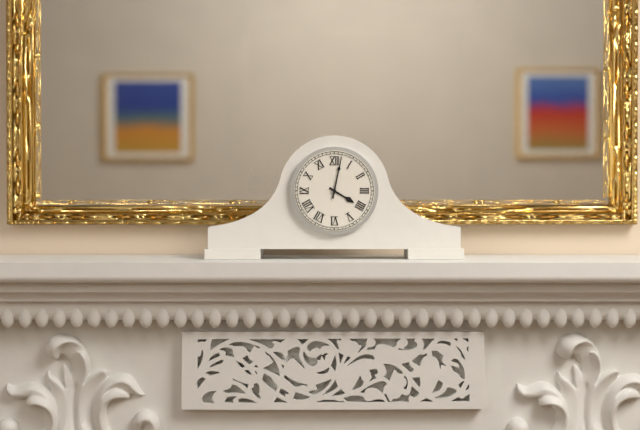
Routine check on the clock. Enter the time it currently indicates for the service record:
4:02
